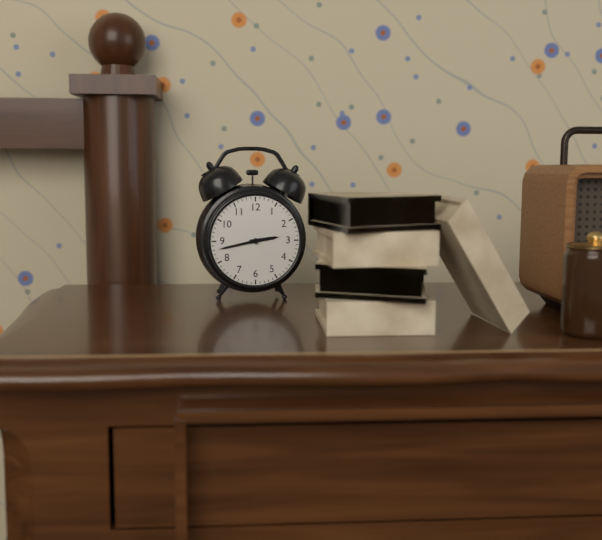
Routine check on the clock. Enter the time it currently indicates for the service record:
2:43
